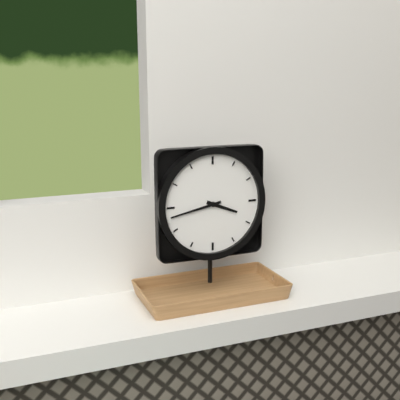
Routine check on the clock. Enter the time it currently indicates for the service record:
3:43
